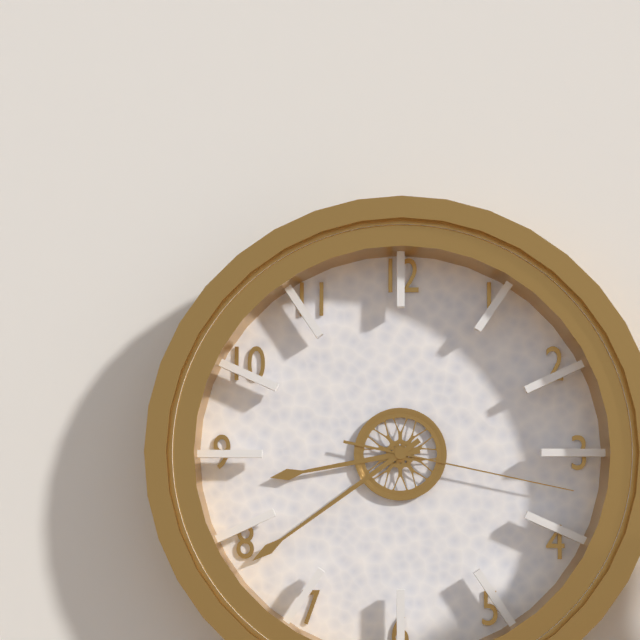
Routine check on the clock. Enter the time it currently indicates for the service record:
8:39:17
